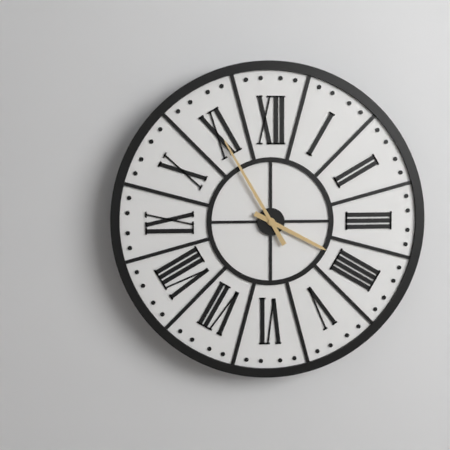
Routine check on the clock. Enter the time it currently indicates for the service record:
3:55
